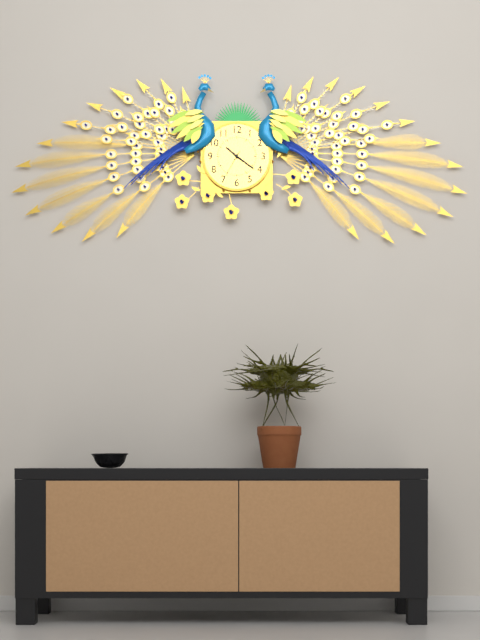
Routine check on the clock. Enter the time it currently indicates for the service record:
10:21
